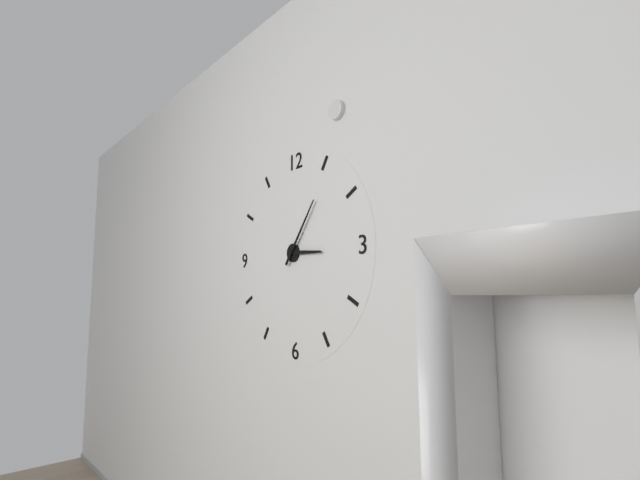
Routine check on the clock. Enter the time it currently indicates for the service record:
3:06
